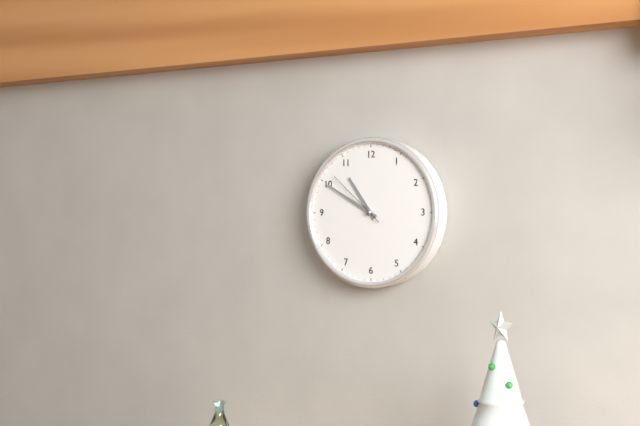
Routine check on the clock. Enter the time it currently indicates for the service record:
10:50:52
